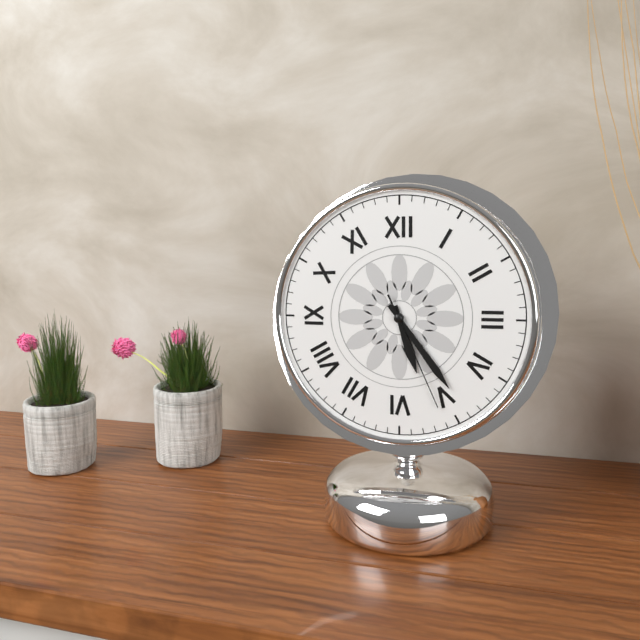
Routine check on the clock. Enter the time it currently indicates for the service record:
5:24:26
